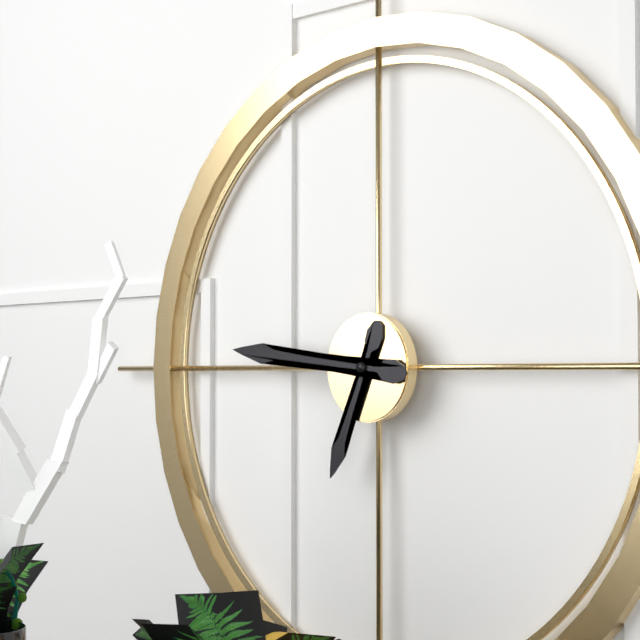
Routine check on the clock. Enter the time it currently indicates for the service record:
6:46
